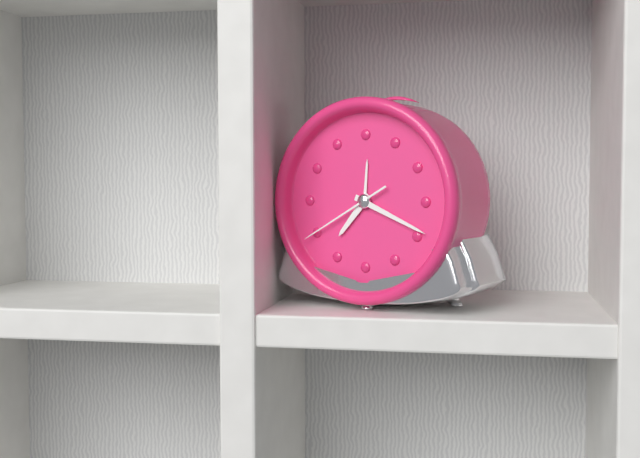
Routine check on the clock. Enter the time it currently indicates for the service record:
7:19:40
